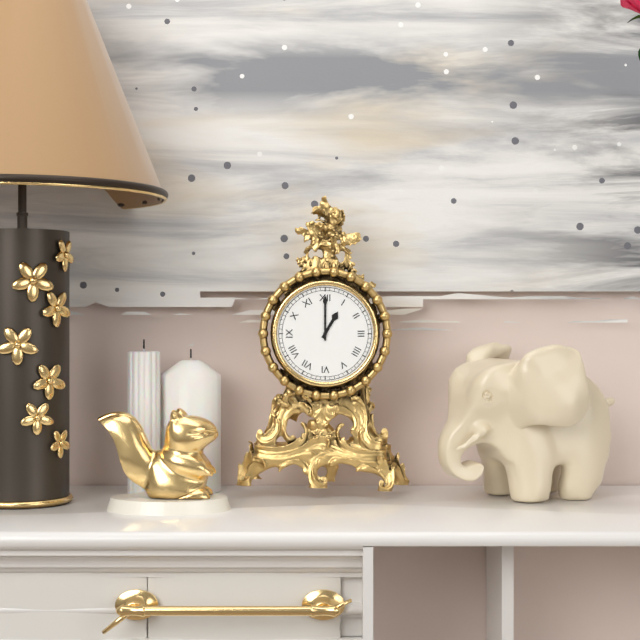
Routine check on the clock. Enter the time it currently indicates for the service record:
1:00
